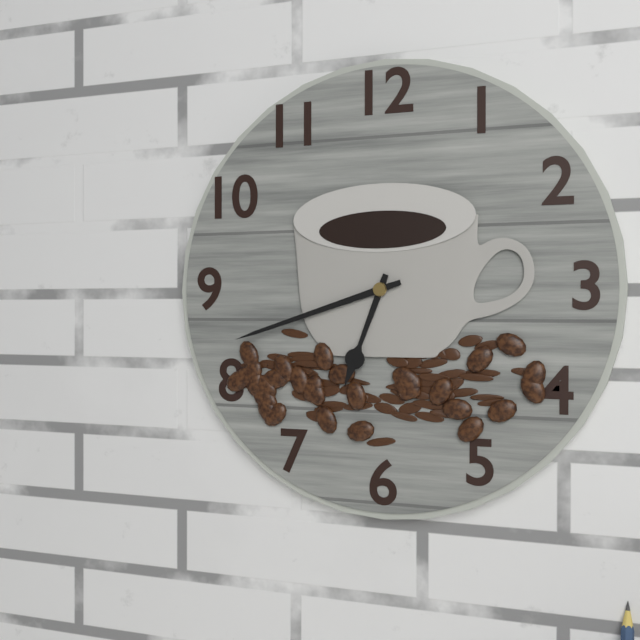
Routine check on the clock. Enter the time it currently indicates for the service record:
6:42
